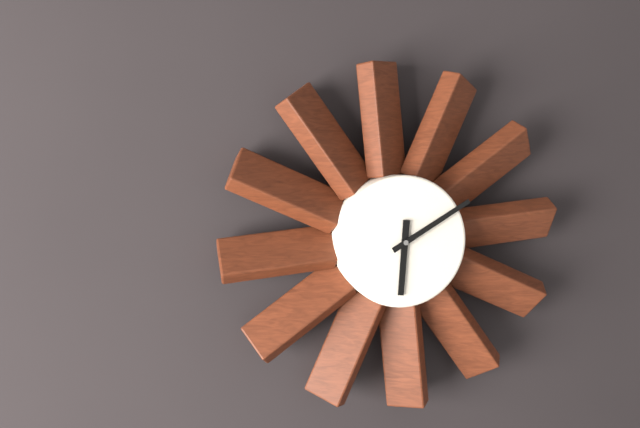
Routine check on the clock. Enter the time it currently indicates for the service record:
6:10
